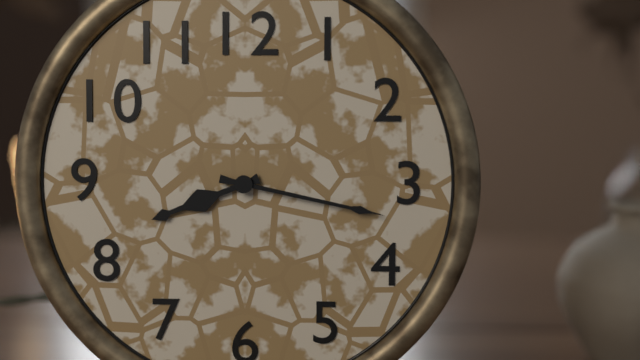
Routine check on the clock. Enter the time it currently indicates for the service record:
8:17
